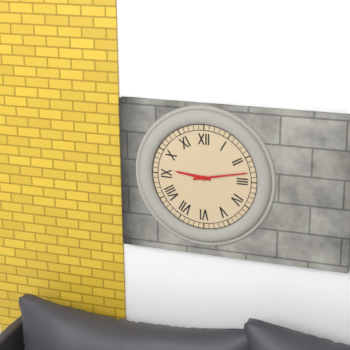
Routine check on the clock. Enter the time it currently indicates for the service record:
9:13
